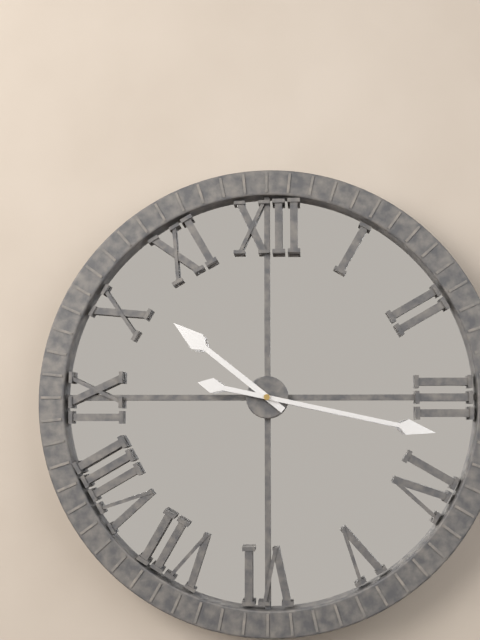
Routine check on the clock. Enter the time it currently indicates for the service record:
10:17
